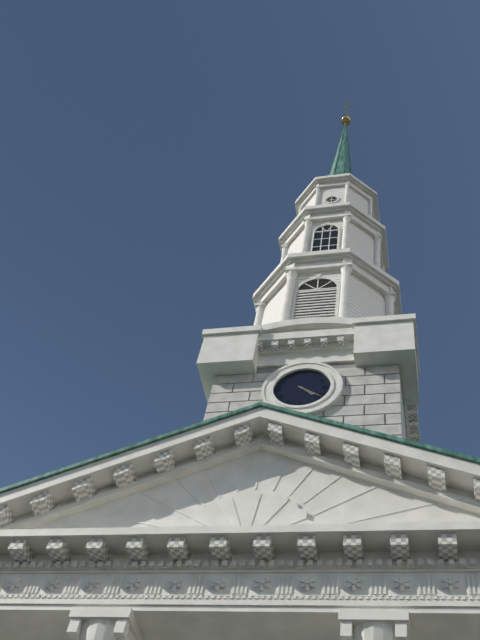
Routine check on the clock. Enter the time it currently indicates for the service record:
4:21
